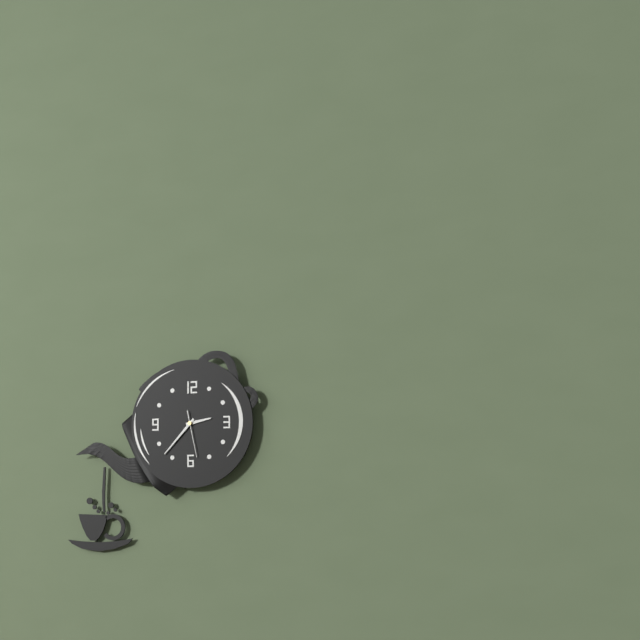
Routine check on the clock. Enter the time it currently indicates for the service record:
2:37
